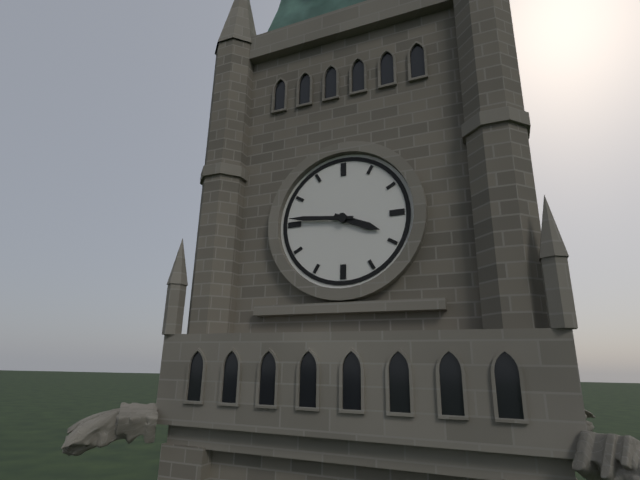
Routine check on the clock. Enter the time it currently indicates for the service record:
3:46
